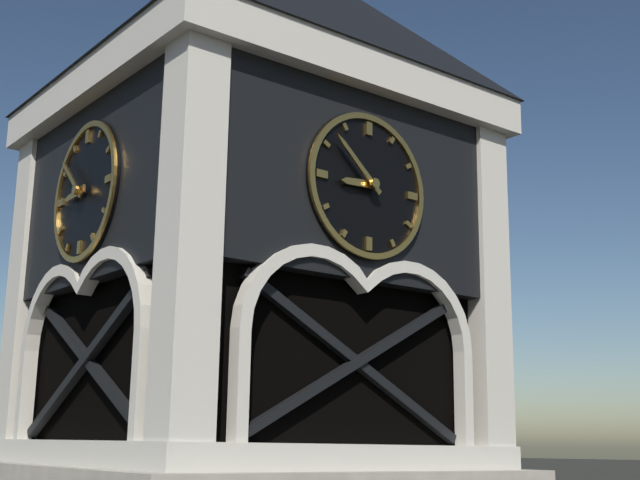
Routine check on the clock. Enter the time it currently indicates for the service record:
8:52
